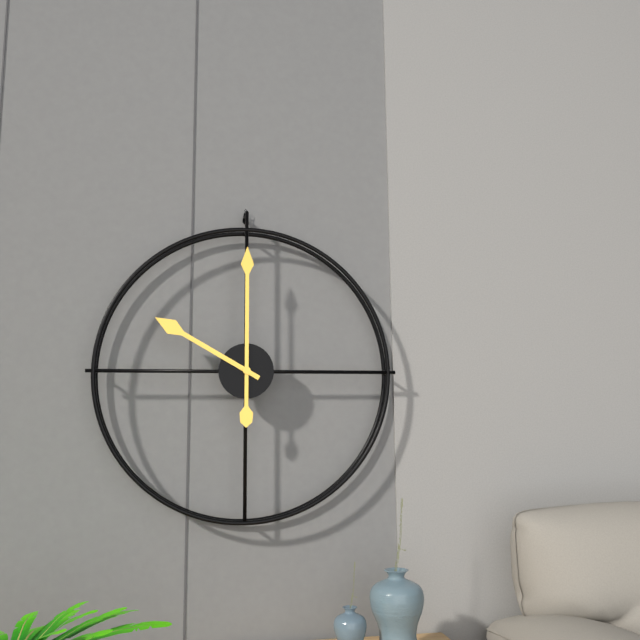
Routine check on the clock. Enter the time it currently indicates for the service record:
10:00
